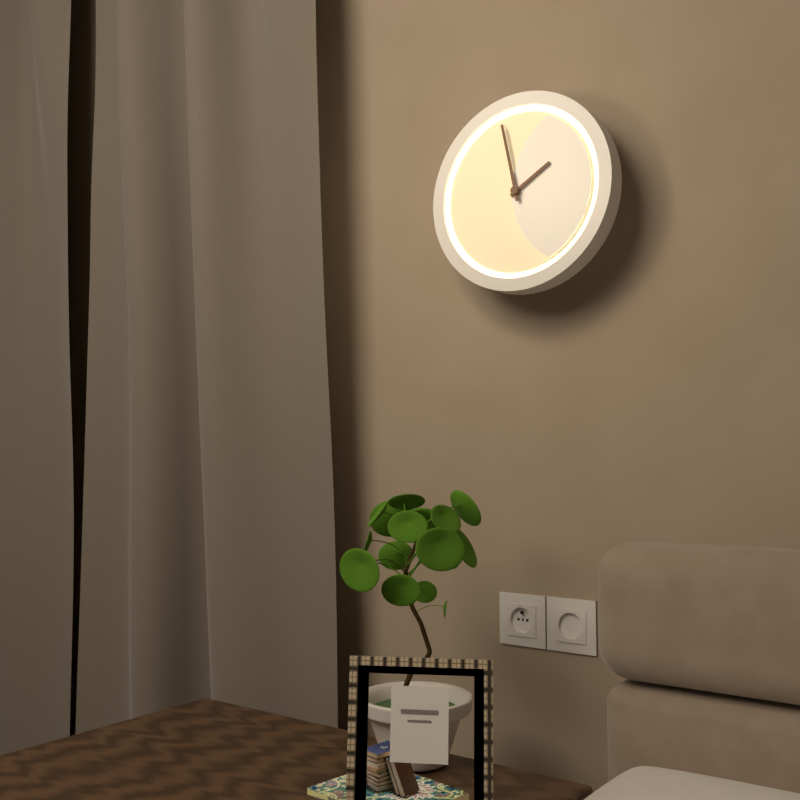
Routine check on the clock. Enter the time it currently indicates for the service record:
1:58
